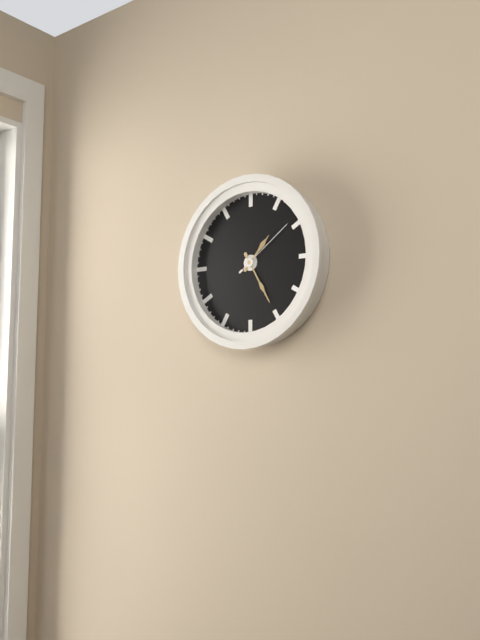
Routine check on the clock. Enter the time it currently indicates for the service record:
1:25:09
